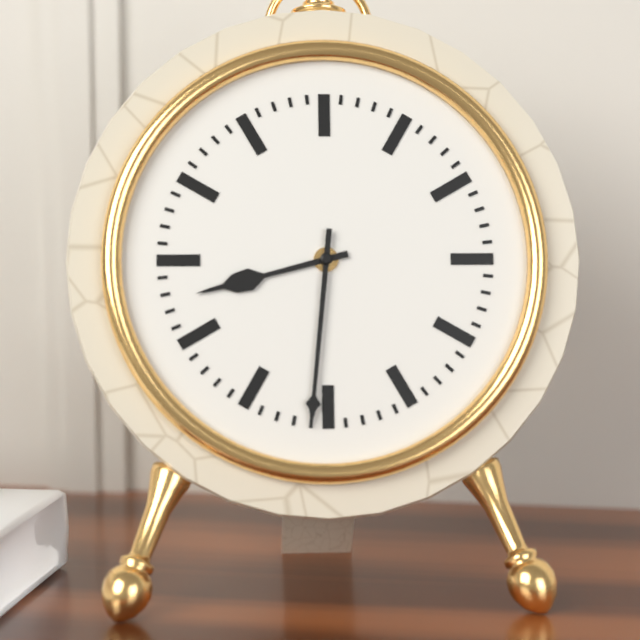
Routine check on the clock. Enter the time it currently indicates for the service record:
8:31
